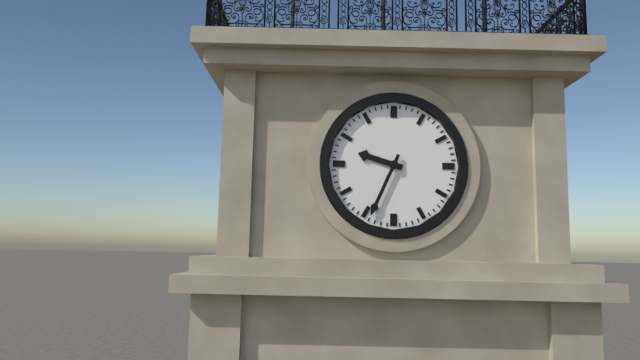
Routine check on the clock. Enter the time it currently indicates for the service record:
9:34
